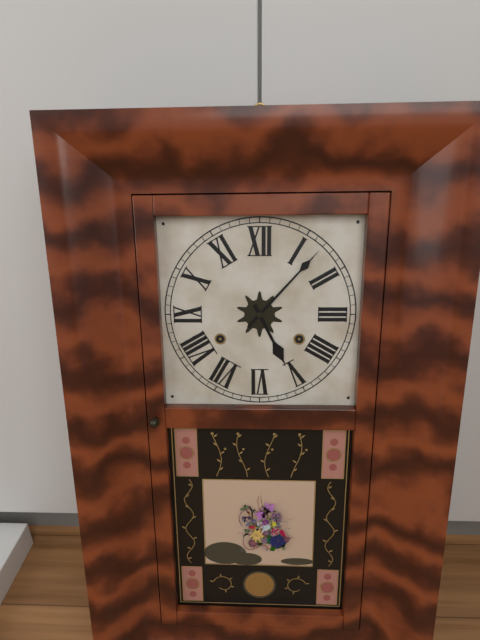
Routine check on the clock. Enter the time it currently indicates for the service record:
5:07
